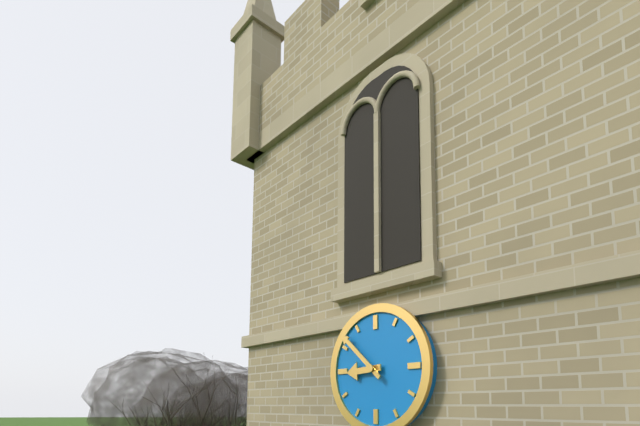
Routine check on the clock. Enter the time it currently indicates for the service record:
8:52
